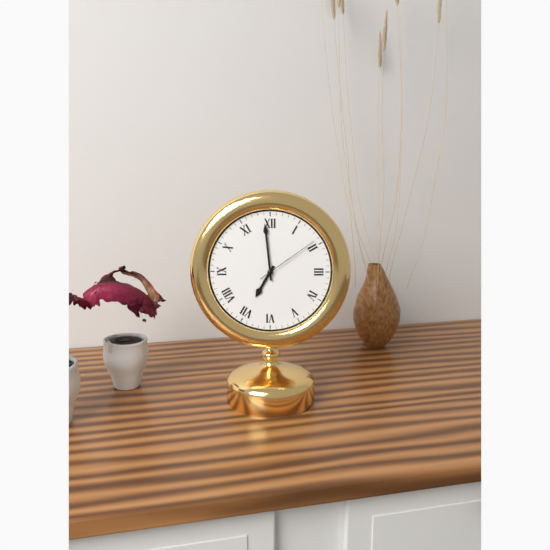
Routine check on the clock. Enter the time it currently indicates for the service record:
6:59:09
